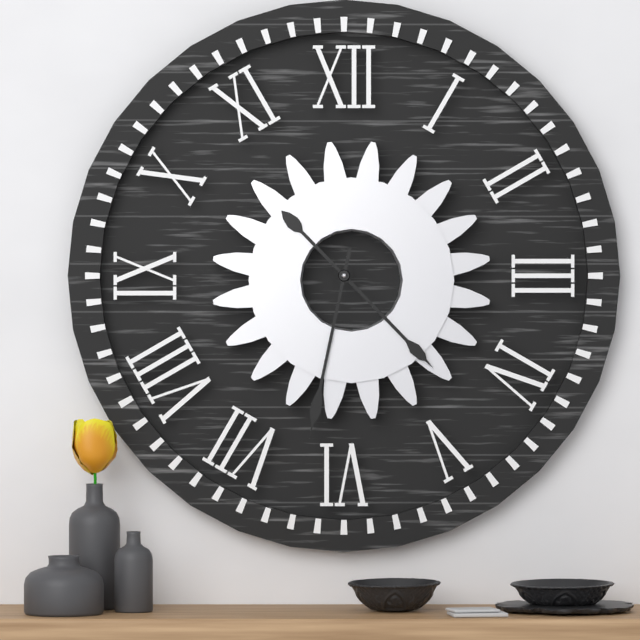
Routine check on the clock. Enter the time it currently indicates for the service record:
4:32
